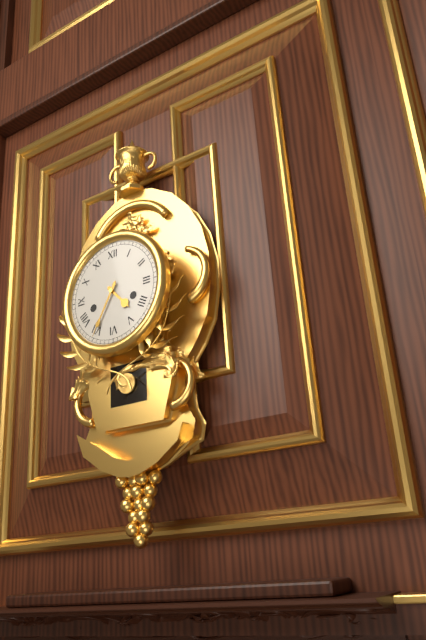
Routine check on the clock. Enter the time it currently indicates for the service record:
4:35
